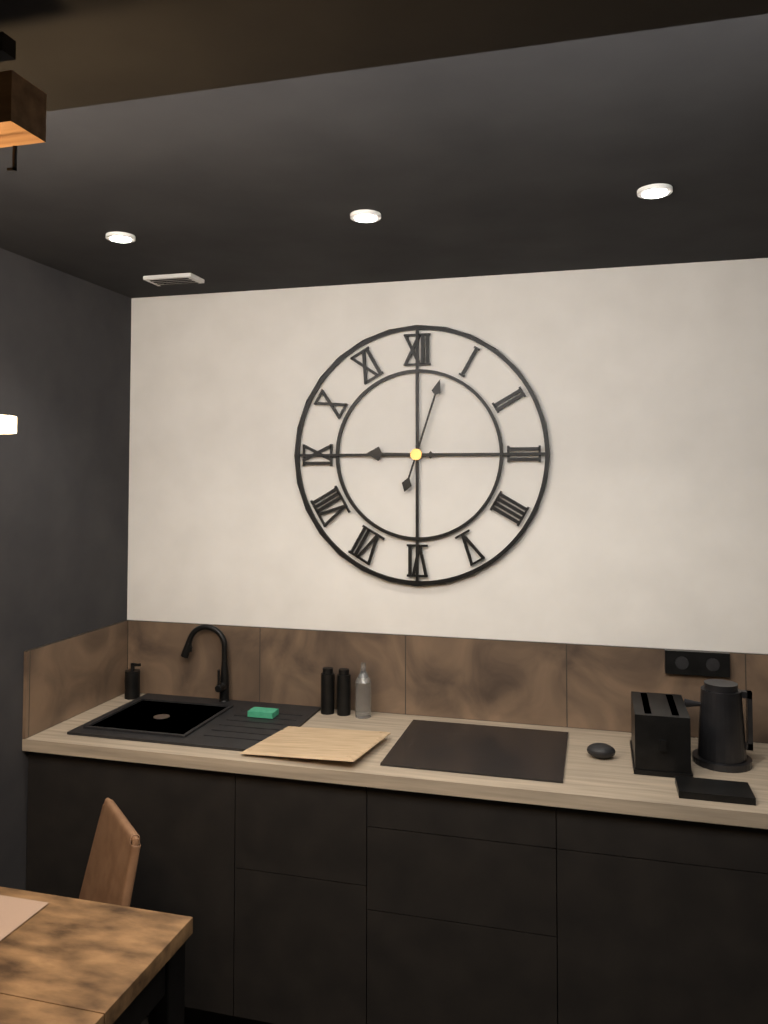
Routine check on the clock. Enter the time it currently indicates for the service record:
9:03
